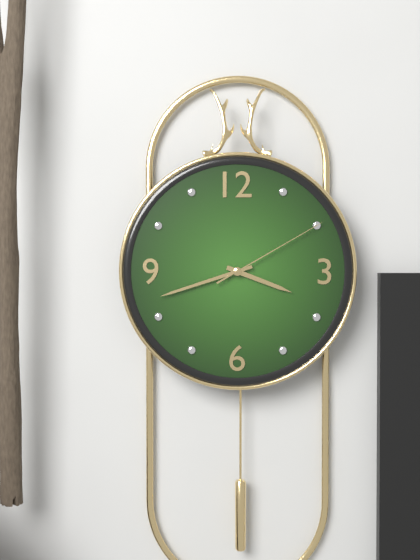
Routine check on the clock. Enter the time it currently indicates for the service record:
3:42:10
